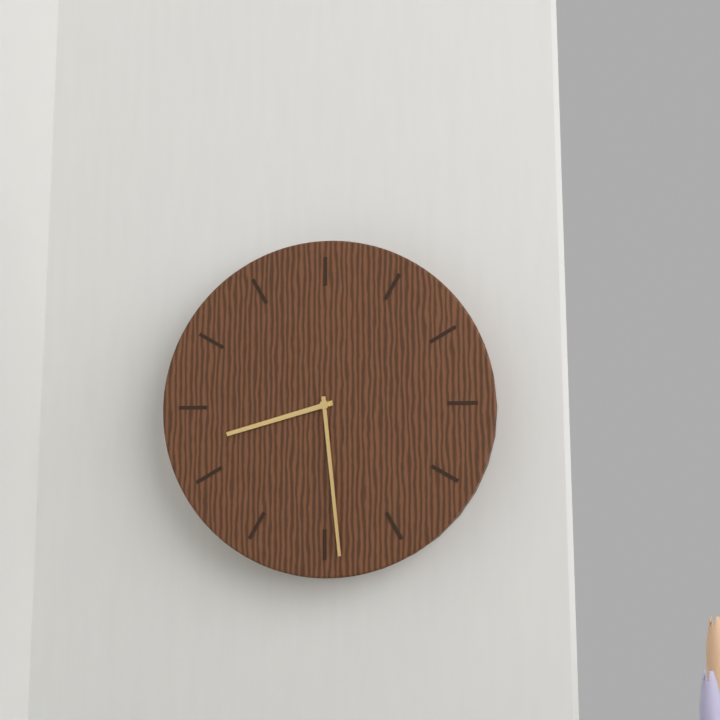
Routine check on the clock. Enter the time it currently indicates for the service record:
8:29
